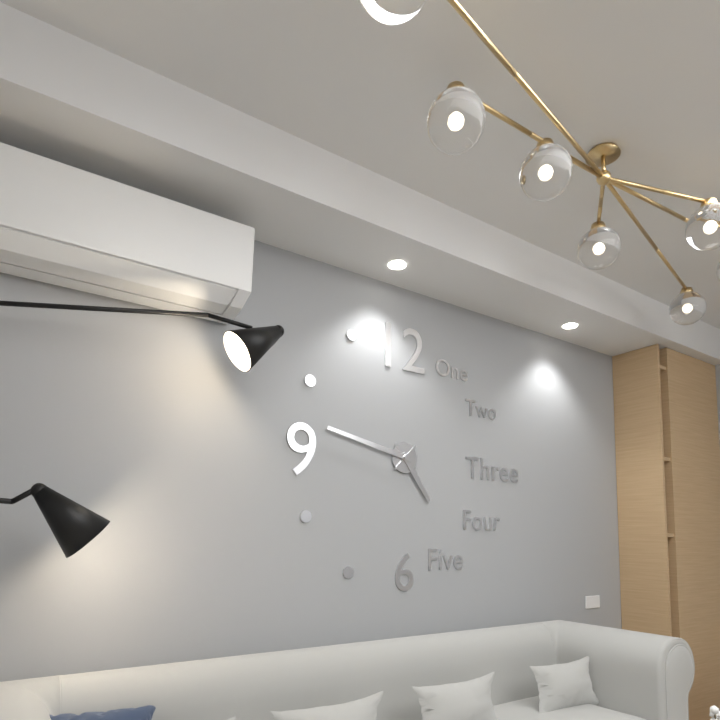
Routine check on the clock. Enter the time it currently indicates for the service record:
4:47
